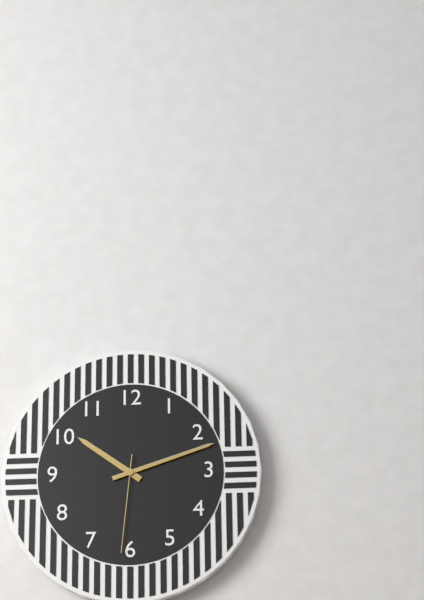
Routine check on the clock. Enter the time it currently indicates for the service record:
10:12:31
